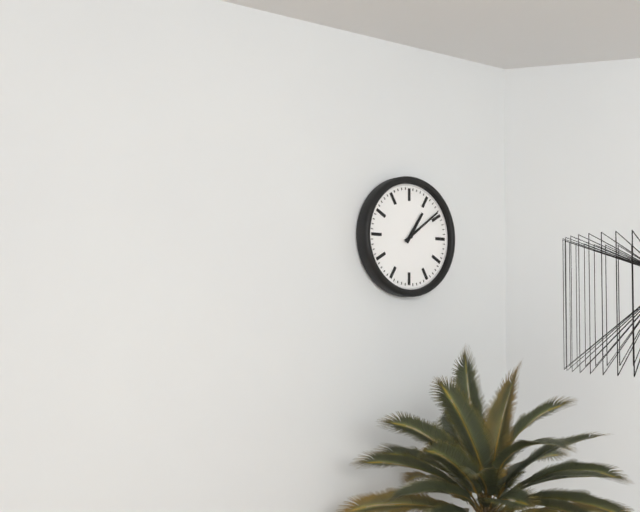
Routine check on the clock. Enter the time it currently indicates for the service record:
1:09
